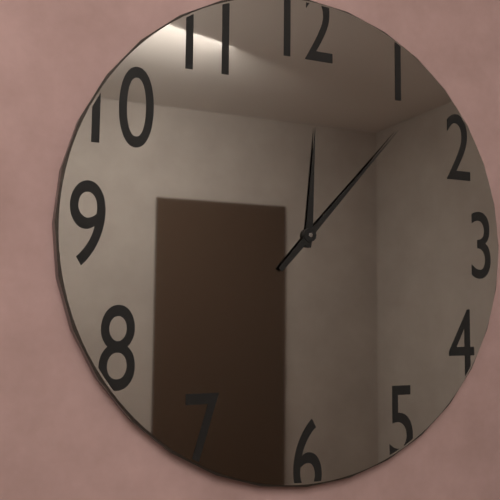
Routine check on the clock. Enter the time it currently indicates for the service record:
12:07
